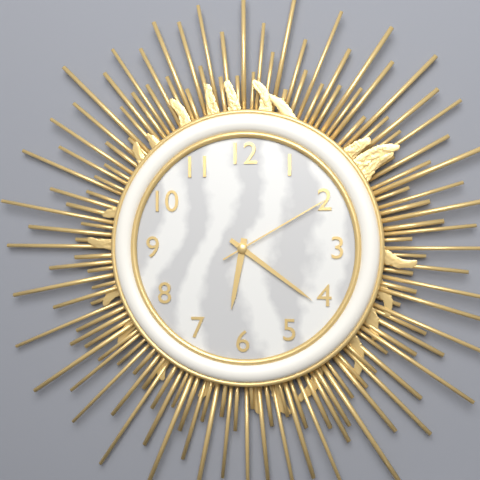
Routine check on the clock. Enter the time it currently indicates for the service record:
6:21:10
